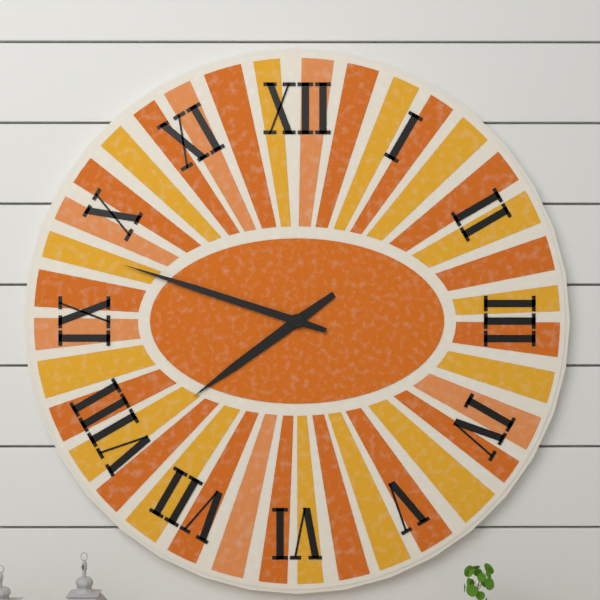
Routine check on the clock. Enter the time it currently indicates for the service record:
7:48
